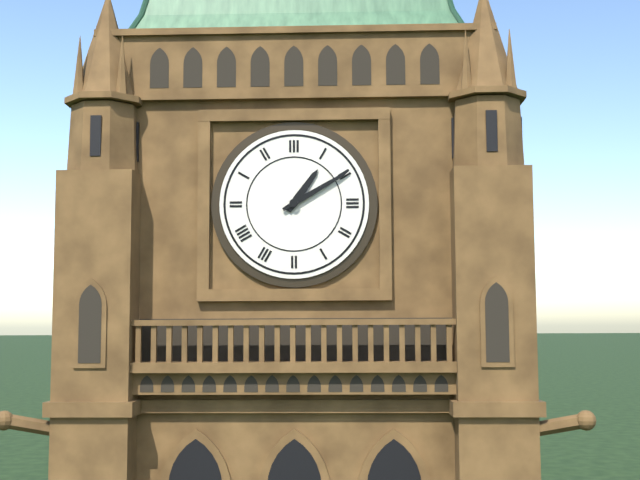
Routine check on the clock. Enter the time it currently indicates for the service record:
1:10
